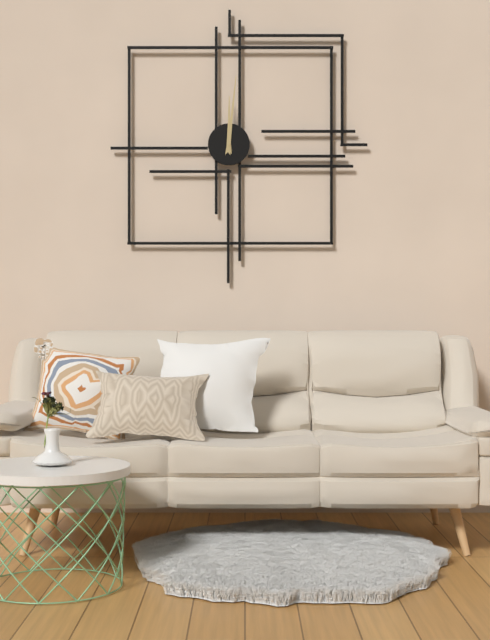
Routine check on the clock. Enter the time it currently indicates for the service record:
12:01
